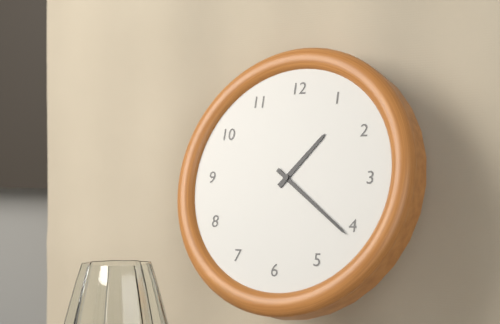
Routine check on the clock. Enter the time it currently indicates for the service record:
1:21
